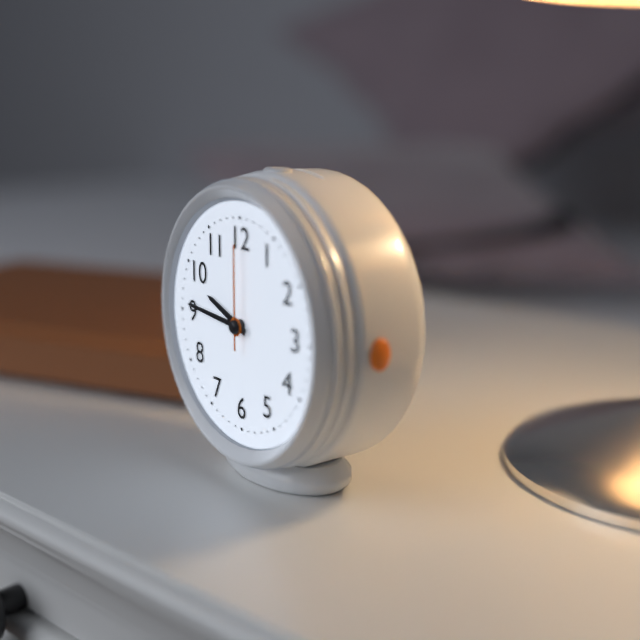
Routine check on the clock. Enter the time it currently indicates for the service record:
9:46:00
